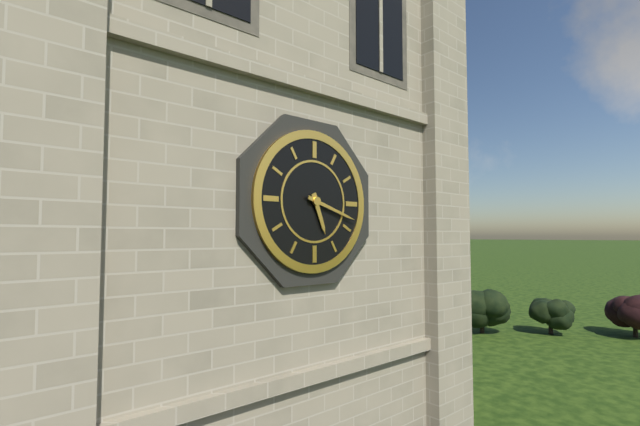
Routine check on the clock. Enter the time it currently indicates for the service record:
5:18
